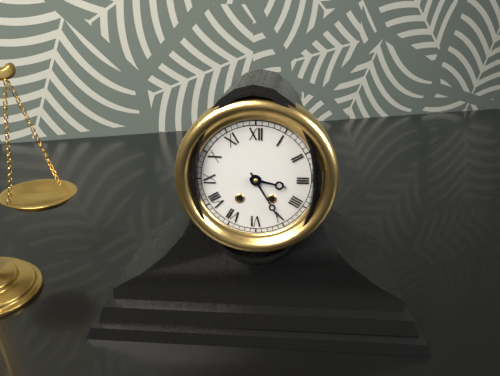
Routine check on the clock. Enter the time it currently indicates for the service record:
3:25
